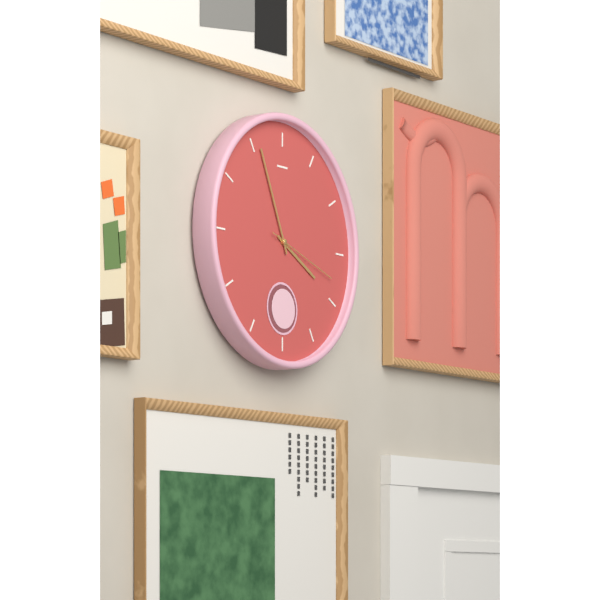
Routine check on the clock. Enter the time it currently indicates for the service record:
3:56:18
